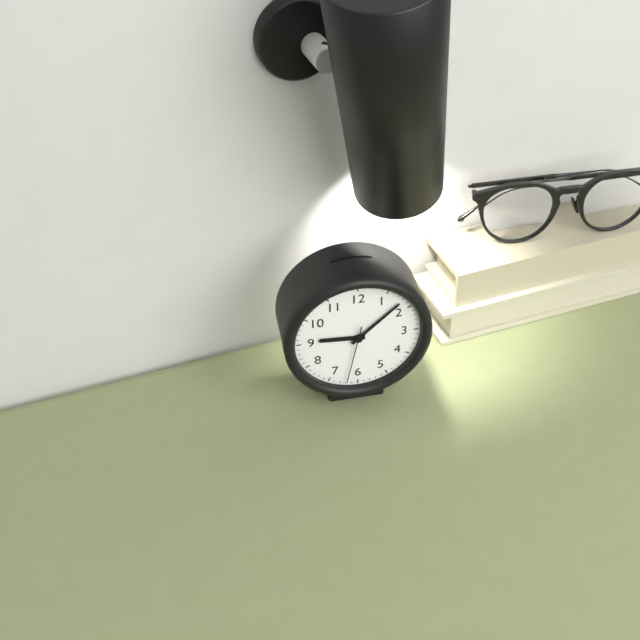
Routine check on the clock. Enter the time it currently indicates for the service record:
9:08:32
